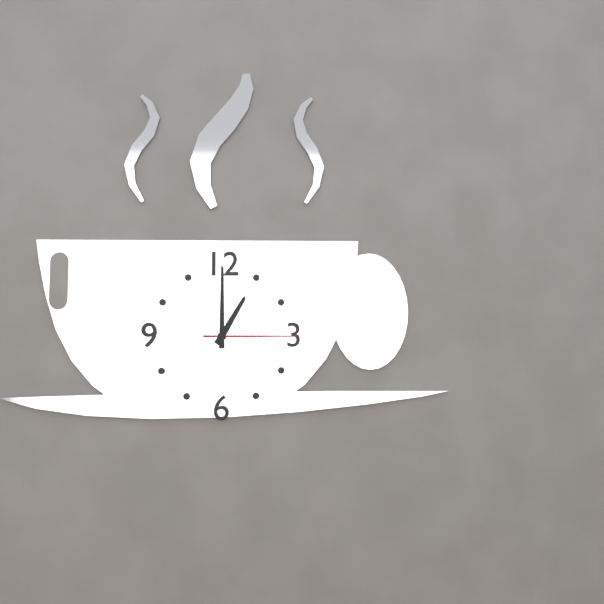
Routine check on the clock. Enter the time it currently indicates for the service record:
1:00:15
